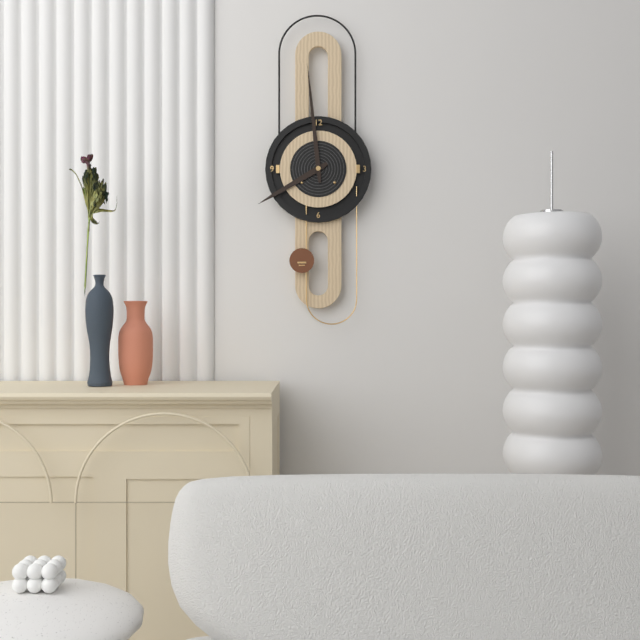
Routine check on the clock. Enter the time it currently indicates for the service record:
7:59
